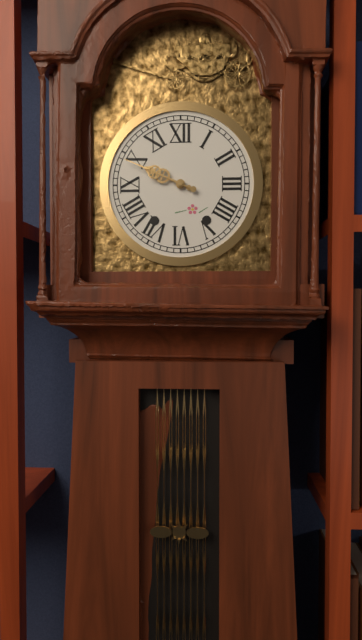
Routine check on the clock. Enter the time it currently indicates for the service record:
9:49
